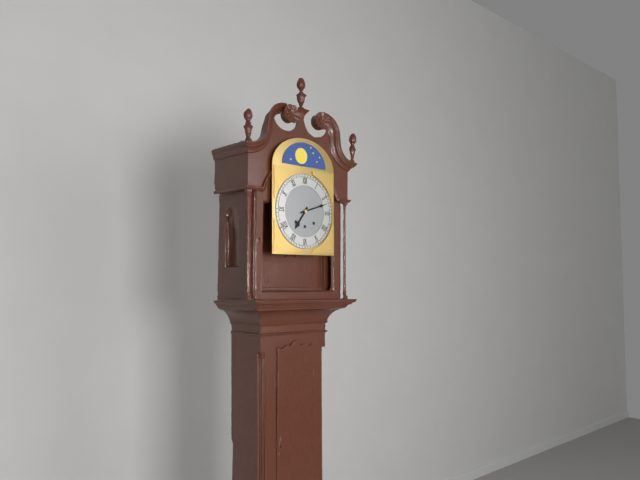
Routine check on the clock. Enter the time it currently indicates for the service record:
7:12
